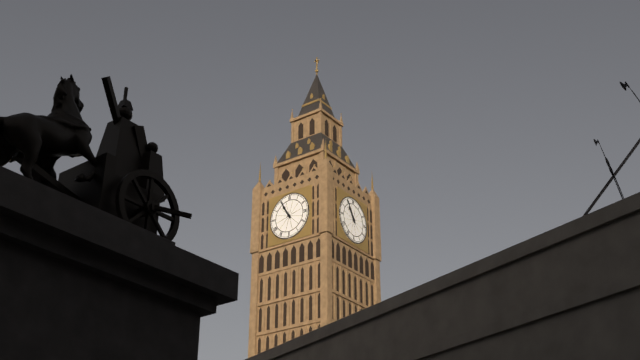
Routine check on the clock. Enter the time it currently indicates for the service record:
10:55
